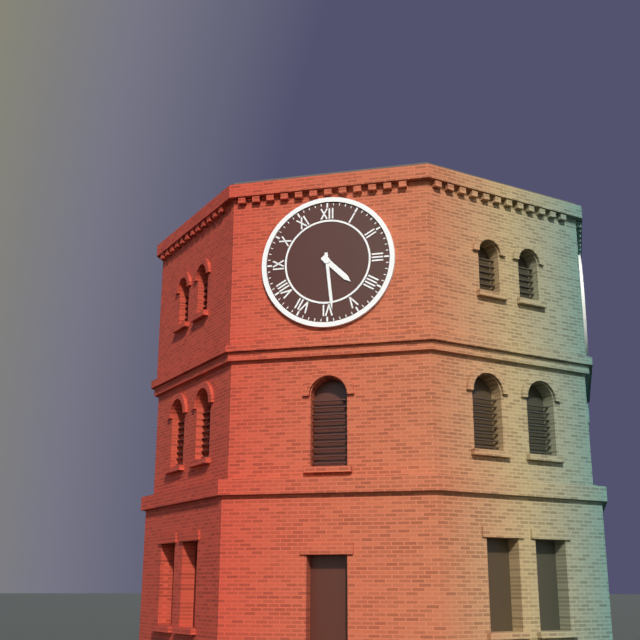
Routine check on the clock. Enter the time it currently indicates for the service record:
4:29
